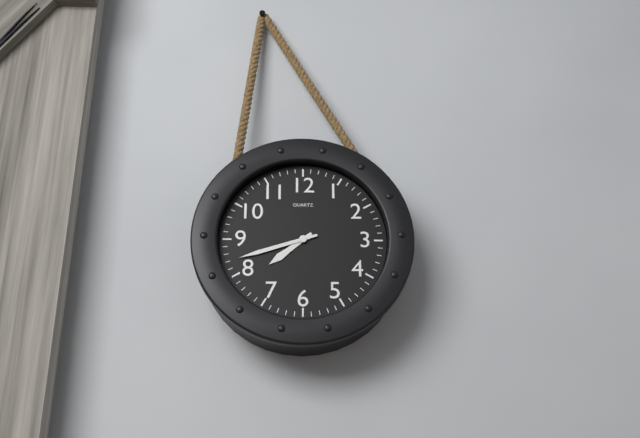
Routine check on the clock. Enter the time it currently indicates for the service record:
7:42
